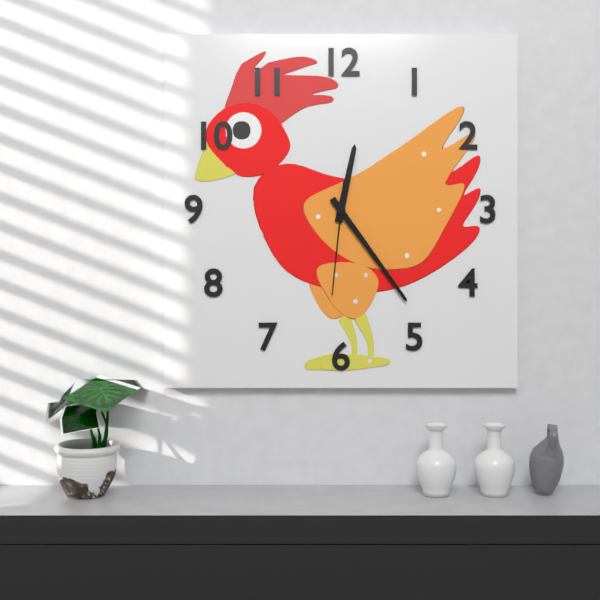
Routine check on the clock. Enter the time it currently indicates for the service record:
12:24:31
